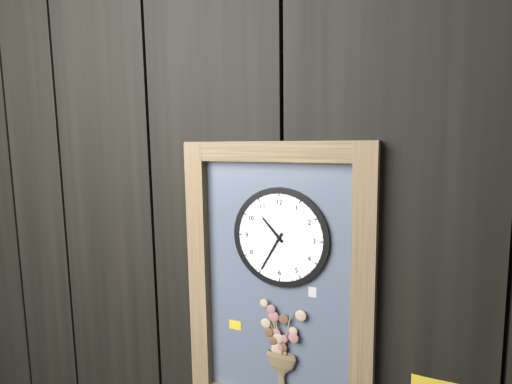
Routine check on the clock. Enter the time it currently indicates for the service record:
10:35
